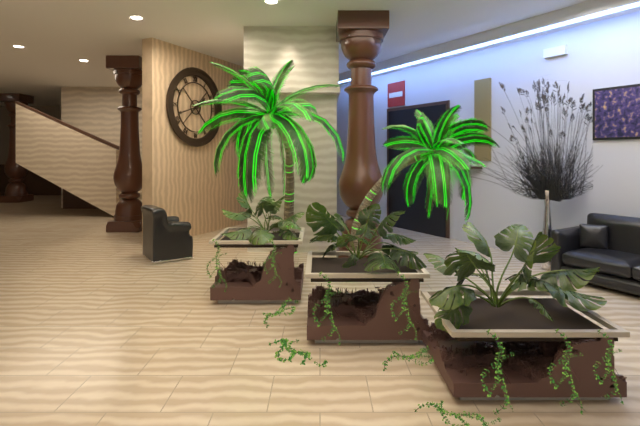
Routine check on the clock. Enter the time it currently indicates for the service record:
1:42
